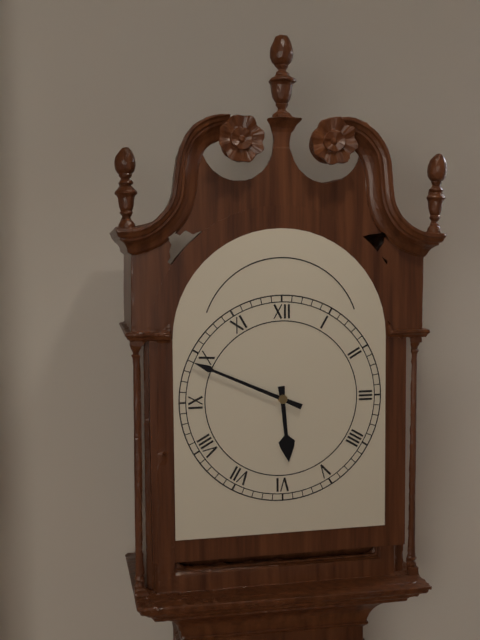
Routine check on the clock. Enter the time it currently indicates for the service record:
5:49
